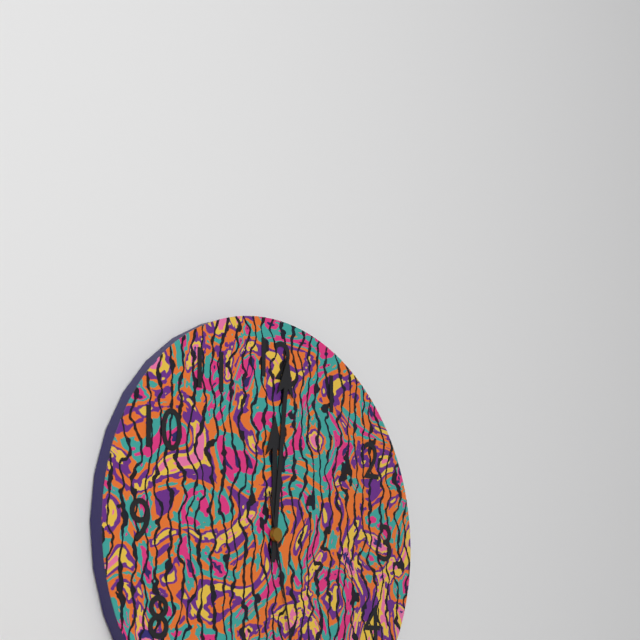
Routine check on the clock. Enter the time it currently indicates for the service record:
12:01
